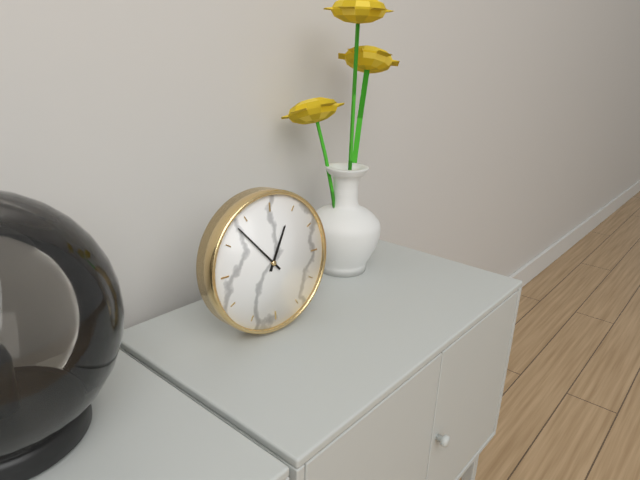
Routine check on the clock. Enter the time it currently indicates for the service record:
12:53
